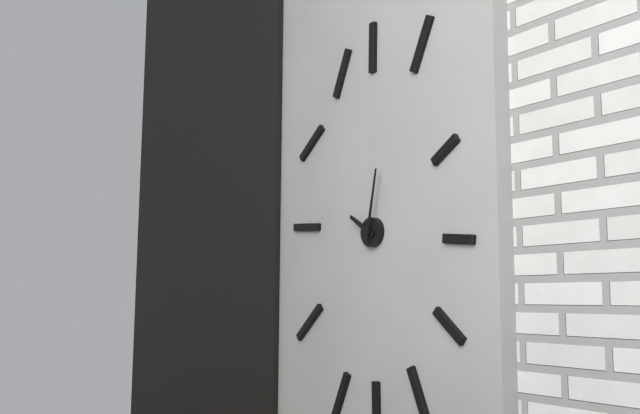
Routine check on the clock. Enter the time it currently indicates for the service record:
10:02
